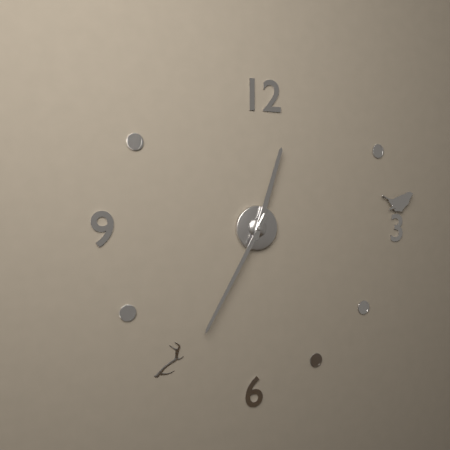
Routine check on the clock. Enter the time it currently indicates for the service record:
12:35
